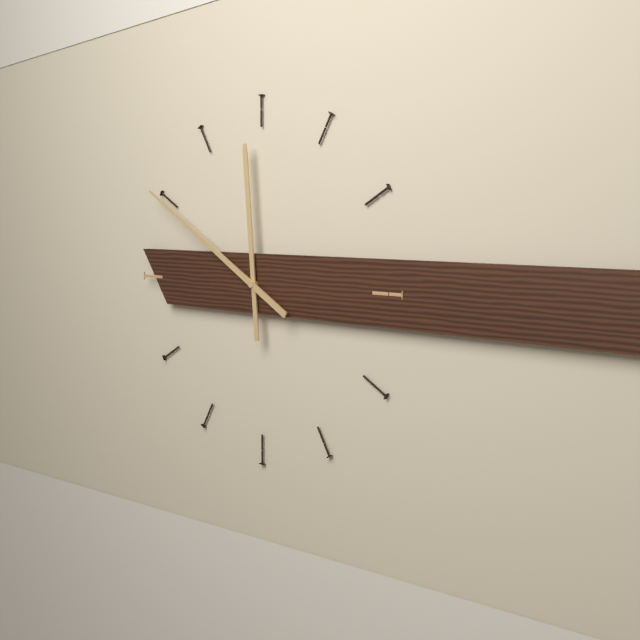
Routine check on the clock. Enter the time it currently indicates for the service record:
11:50
